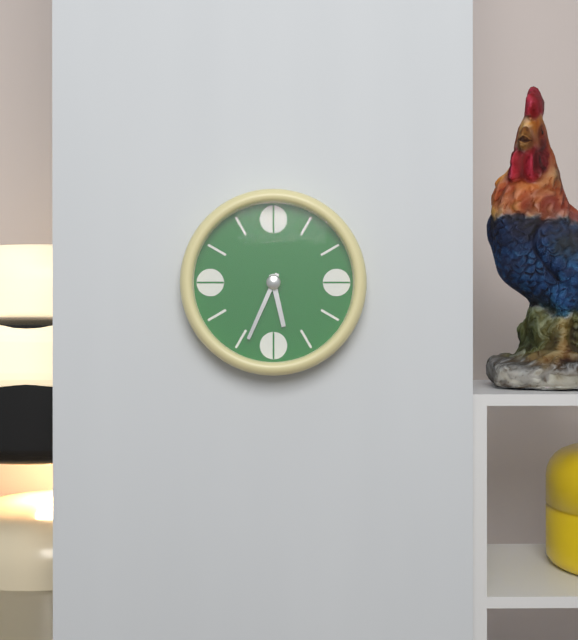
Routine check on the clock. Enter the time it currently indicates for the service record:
5:34
